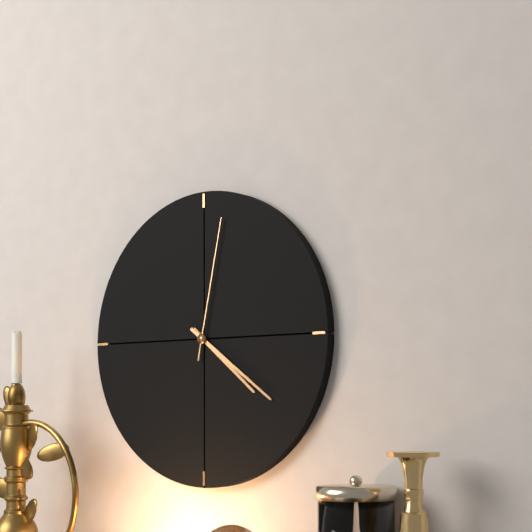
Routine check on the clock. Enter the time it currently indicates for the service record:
4:21:02
